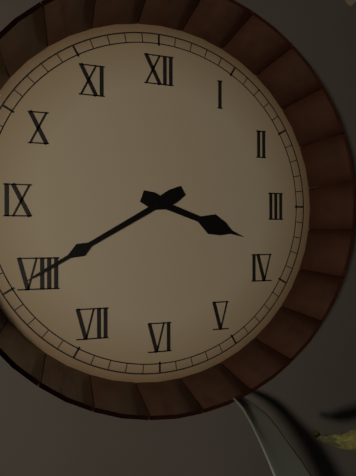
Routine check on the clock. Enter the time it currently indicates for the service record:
3:40
